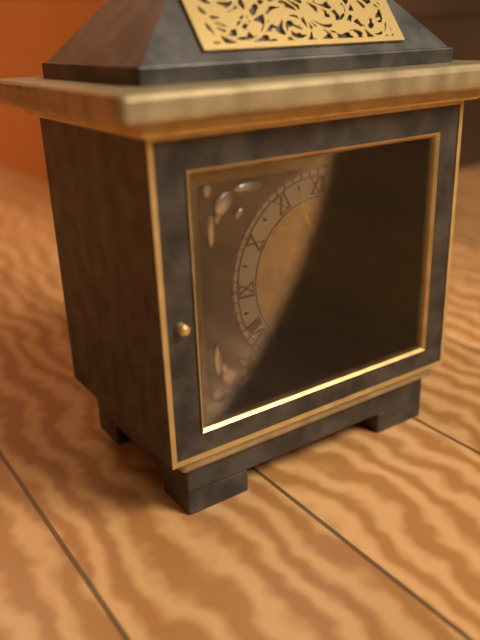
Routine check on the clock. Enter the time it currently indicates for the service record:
1:57
